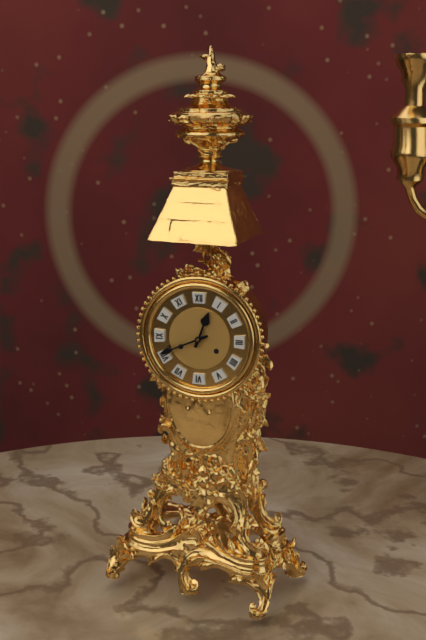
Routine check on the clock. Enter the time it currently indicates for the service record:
12:41
